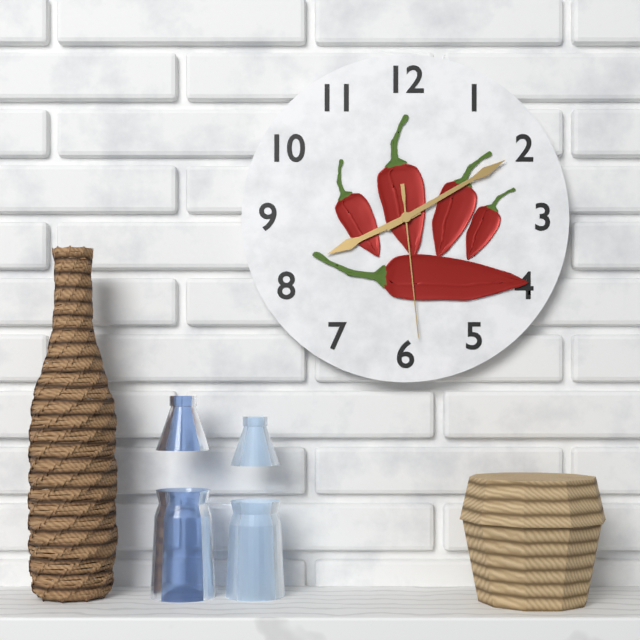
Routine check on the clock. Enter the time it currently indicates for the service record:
8:10:29
